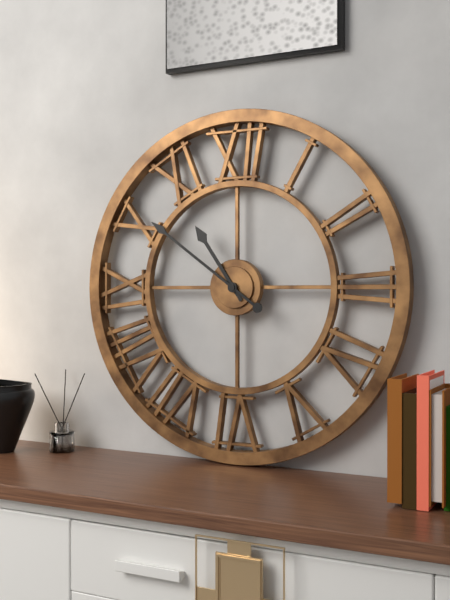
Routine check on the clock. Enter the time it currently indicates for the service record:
10:51
